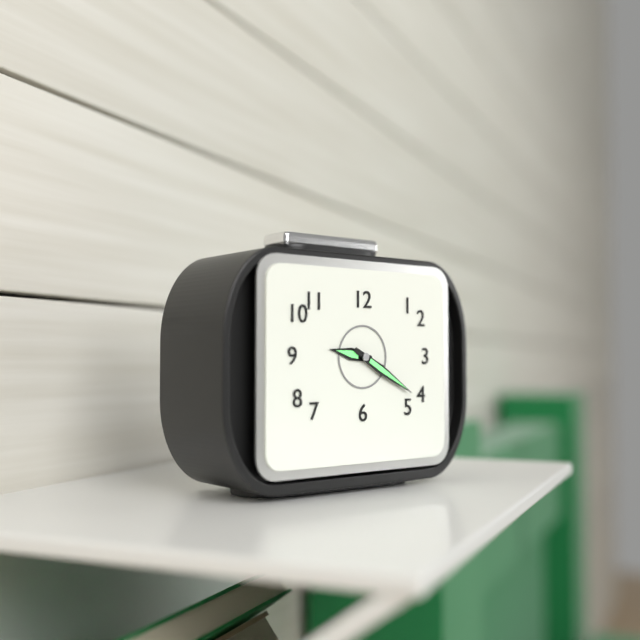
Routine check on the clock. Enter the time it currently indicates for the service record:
9:20
